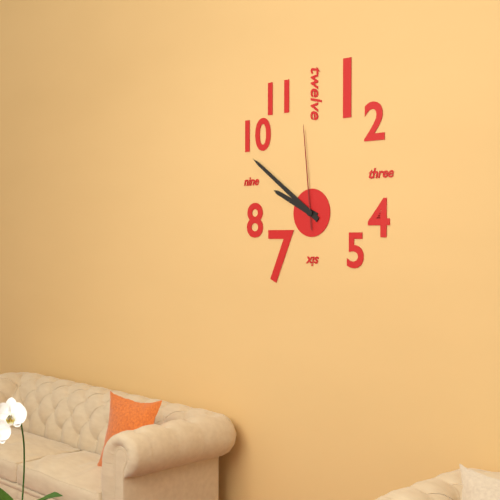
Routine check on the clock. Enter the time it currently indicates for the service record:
9:51:59
